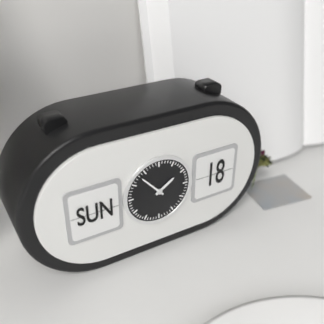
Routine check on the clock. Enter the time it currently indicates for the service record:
1:53
